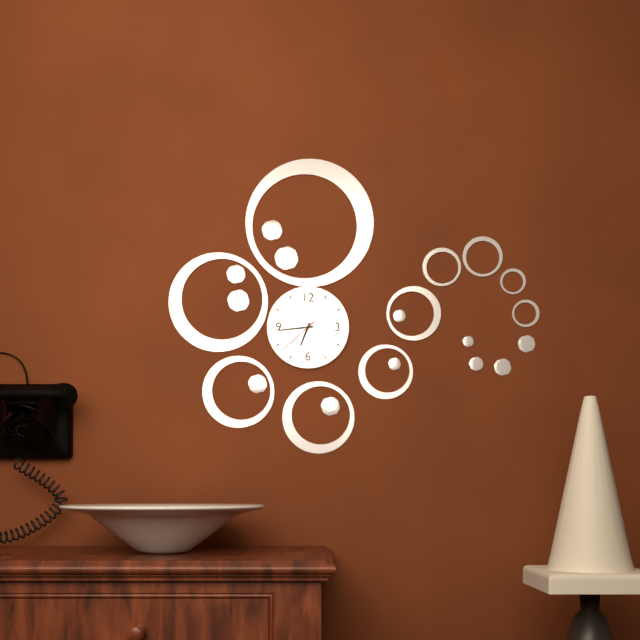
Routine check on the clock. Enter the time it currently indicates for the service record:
6:44
